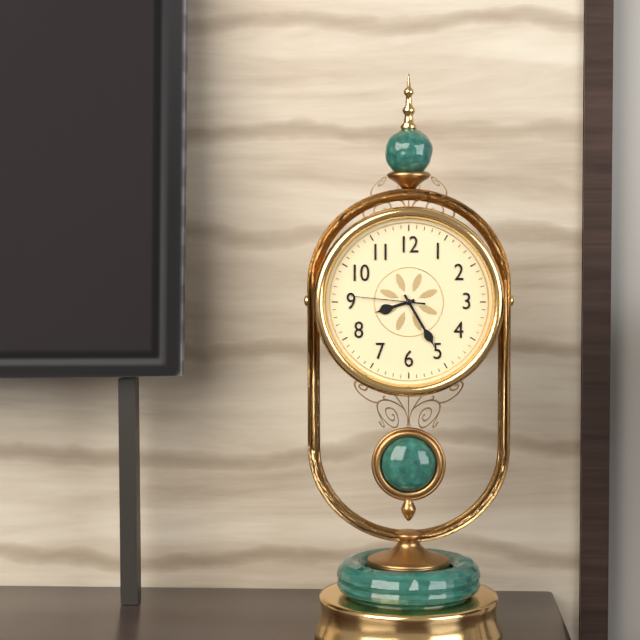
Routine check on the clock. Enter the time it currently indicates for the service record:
8:25:46
